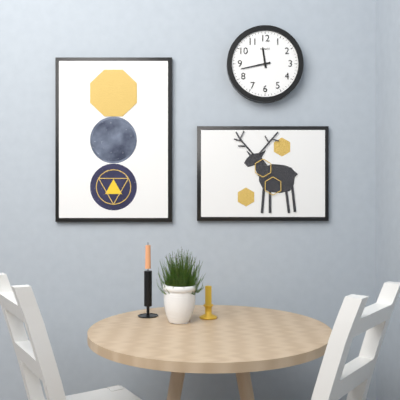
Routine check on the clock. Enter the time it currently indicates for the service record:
11:43
